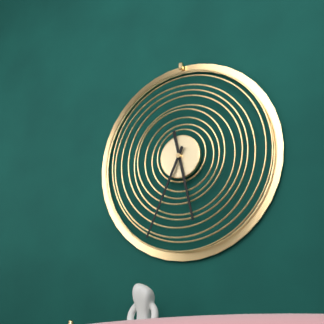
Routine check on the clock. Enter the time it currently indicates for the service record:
5:34
